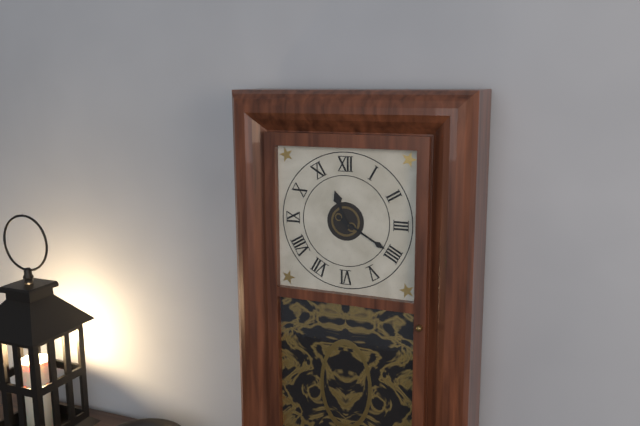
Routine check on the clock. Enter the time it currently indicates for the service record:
11:20
